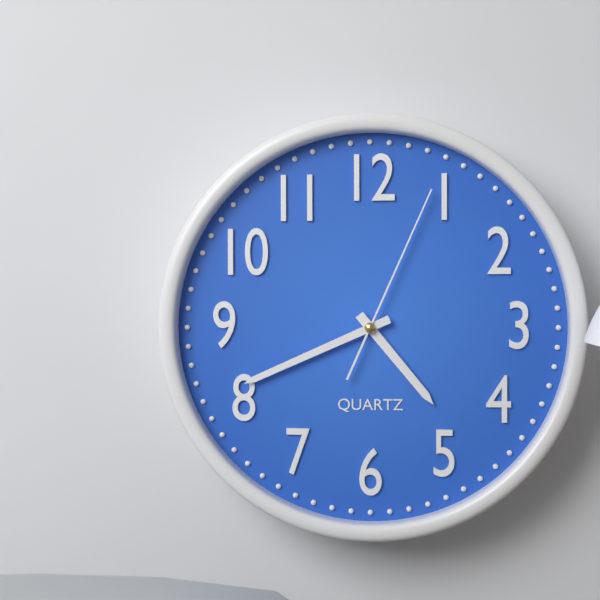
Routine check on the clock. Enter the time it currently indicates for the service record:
4:41:04
